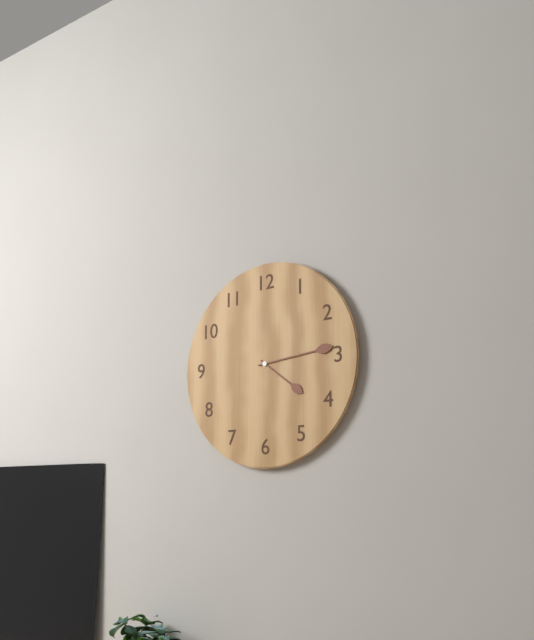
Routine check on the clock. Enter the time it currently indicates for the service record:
4:14
